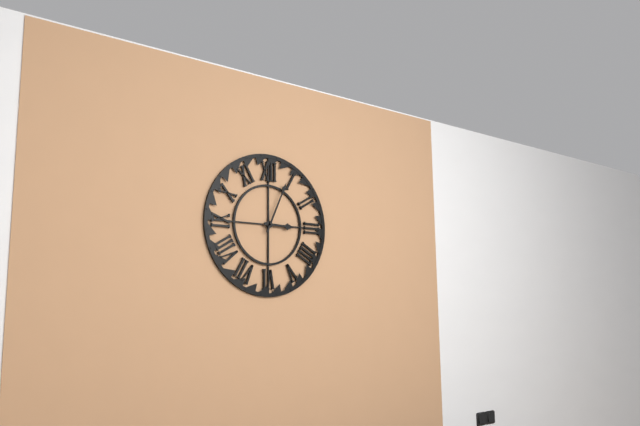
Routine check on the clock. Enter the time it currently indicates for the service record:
3:04
